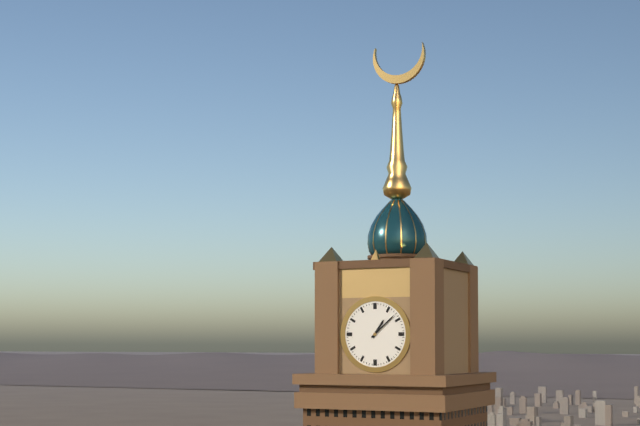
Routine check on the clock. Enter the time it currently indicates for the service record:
1:08
